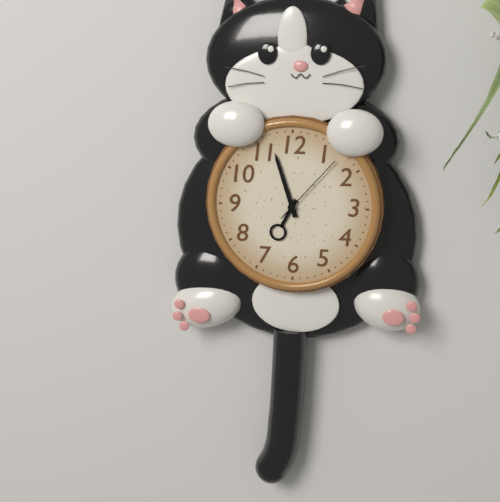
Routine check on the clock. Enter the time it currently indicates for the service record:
6:57:07
